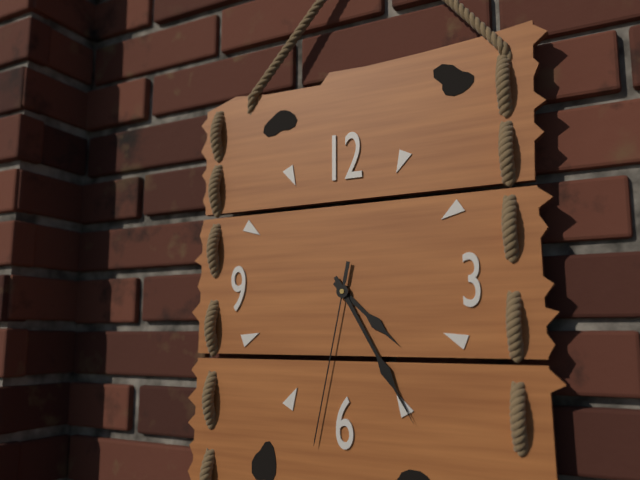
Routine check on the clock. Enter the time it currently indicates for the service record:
4:25:32
